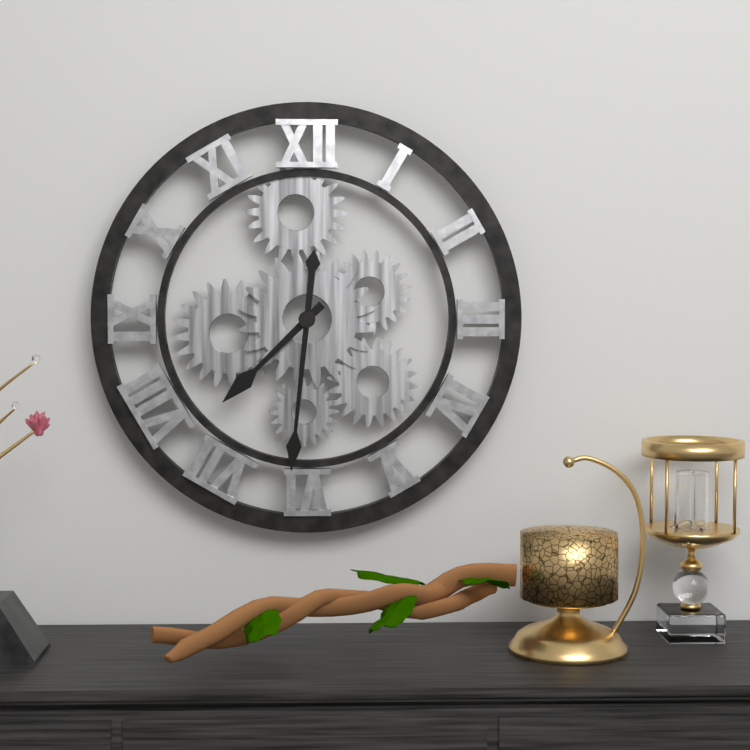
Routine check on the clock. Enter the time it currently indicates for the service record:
7:31
